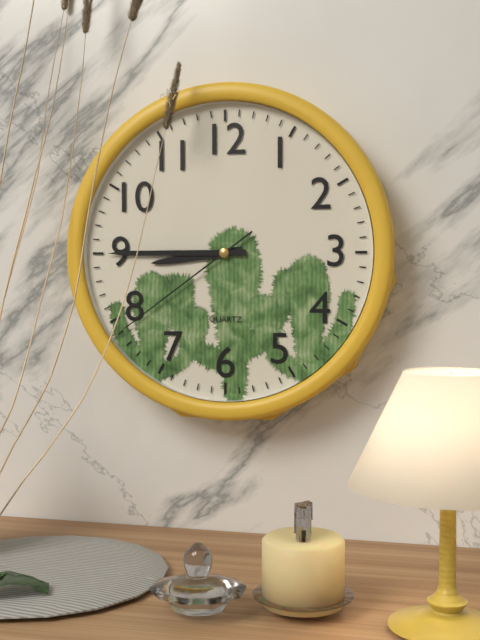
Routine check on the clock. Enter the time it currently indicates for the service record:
8:45:39
